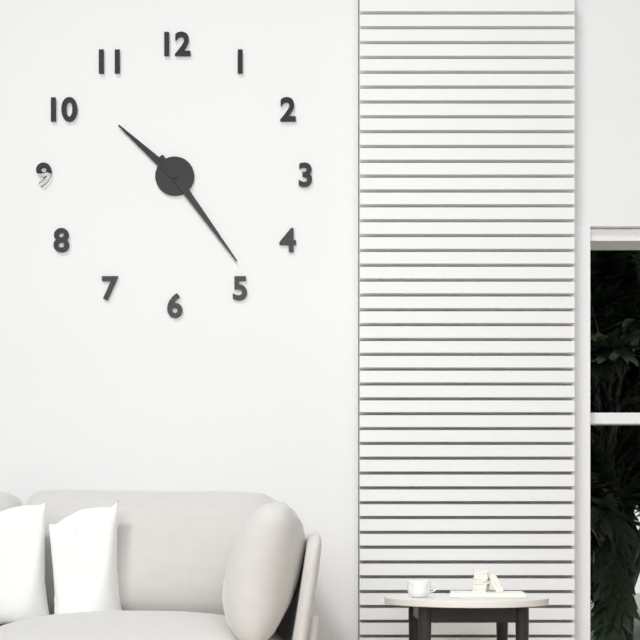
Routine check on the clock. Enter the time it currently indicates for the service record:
10:24
